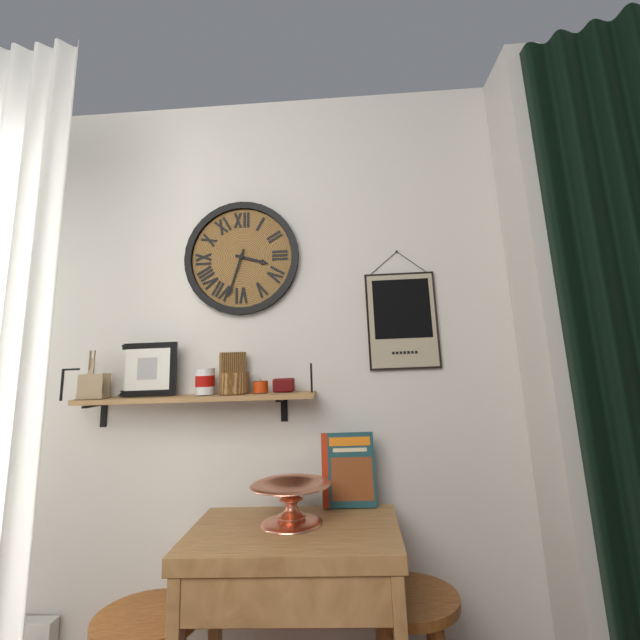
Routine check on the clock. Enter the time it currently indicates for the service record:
3:33
